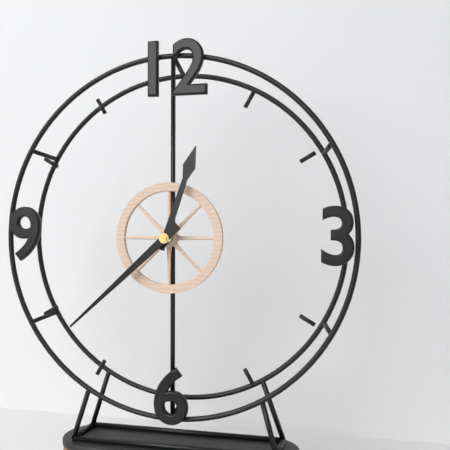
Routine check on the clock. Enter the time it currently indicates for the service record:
12:38
